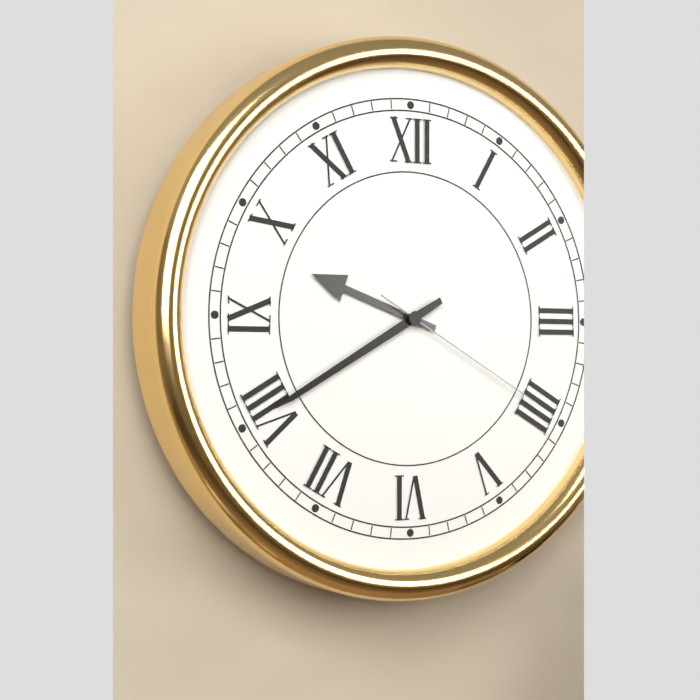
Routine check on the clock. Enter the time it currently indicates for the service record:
9:40:20
